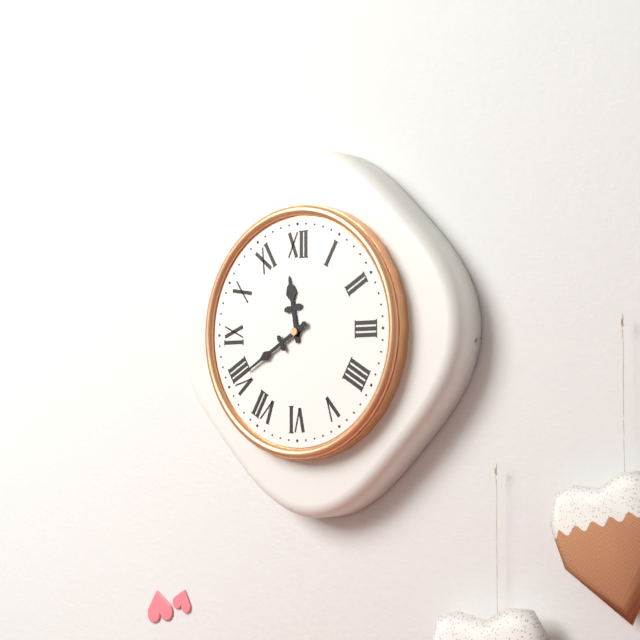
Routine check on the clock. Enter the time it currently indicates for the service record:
11:40
